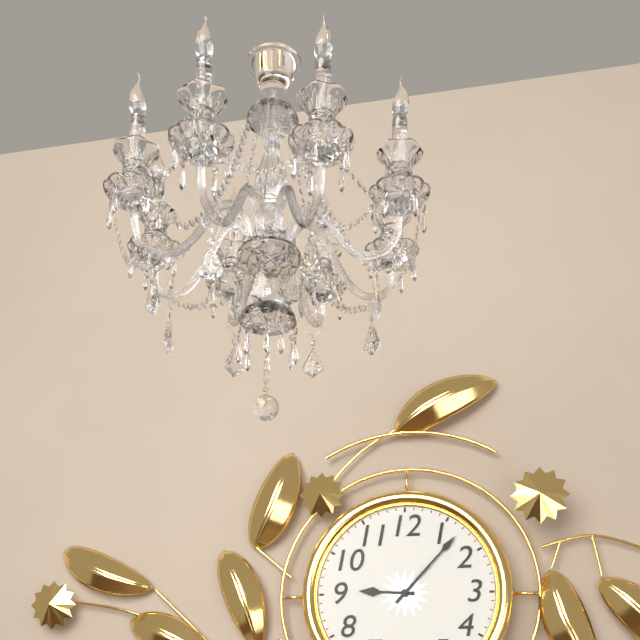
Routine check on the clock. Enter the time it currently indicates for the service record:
9:07
